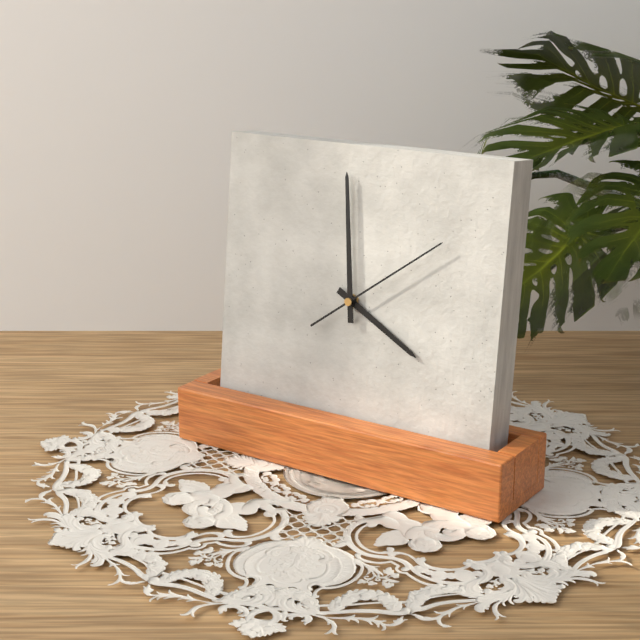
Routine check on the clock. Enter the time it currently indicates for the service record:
3:59:09
